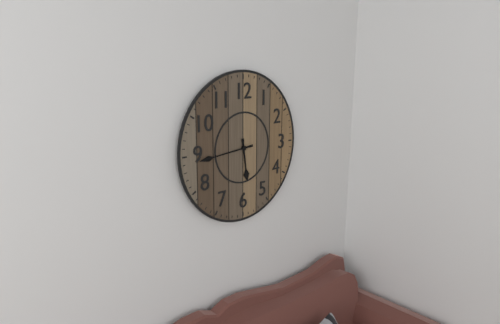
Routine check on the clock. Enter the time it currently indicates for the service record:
5:44
